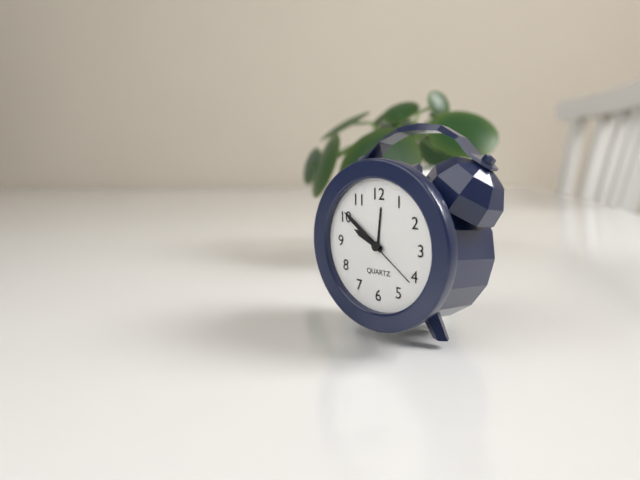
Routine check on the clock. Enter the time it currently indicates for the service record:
9:51:21
